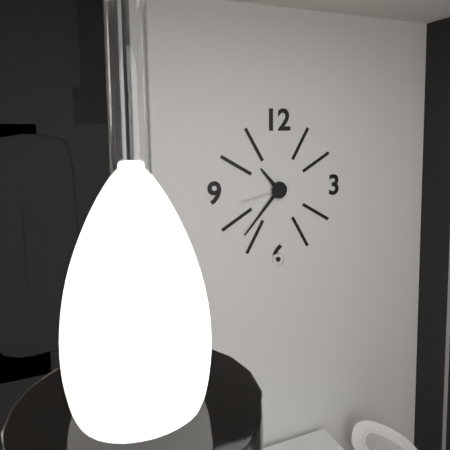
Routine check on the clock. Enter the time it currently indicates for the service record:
10:37:43
